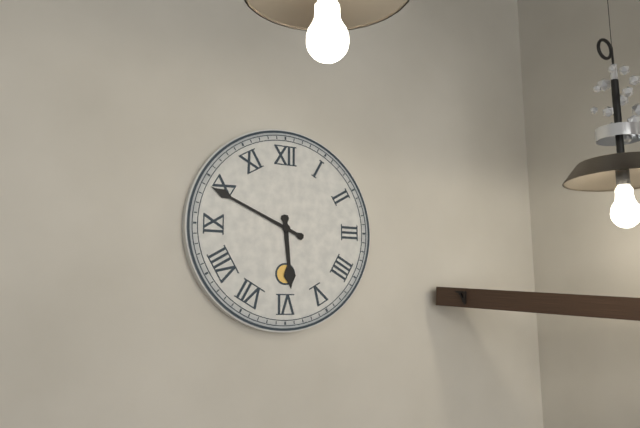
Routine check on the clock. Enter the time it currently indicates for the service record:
5:49
